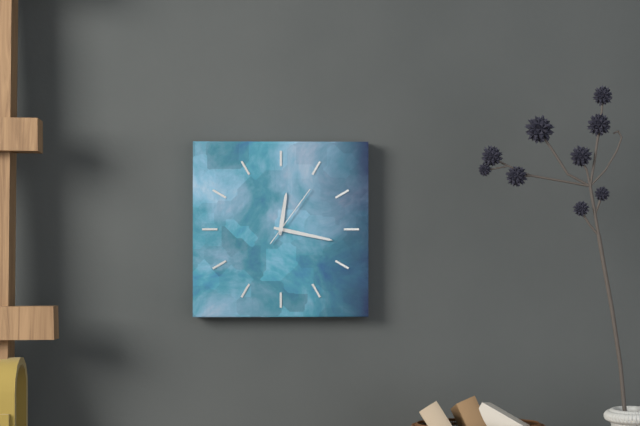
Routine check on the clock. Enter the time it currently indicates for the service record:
12:17:06
